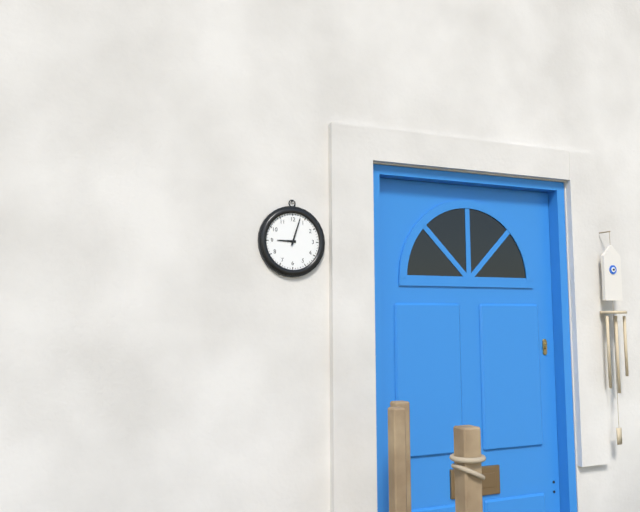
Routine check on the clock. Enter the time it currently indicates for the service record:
9:03
